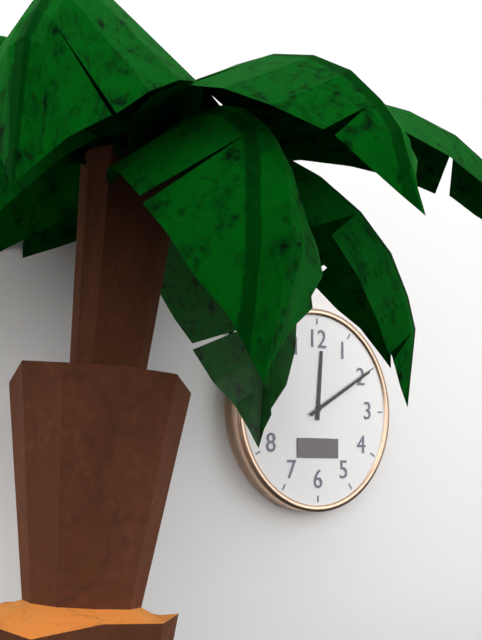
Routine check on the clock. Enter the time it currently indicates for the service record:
12:10
